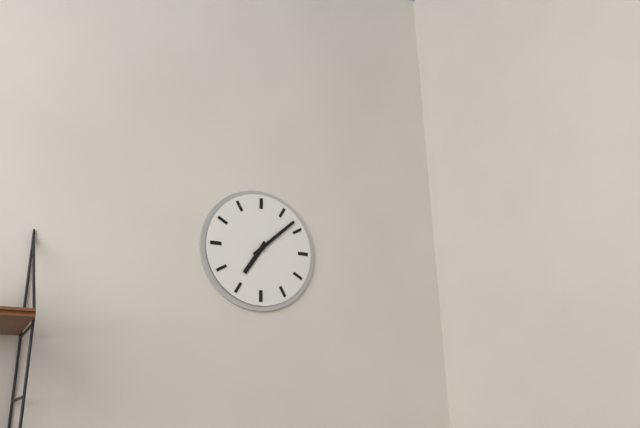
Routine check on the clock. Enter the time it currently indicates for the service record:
7:08
